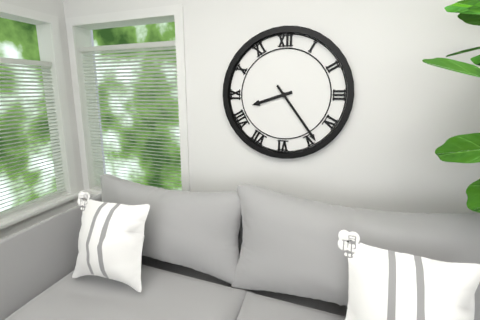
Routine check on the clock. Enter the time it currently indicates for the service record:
8:24
